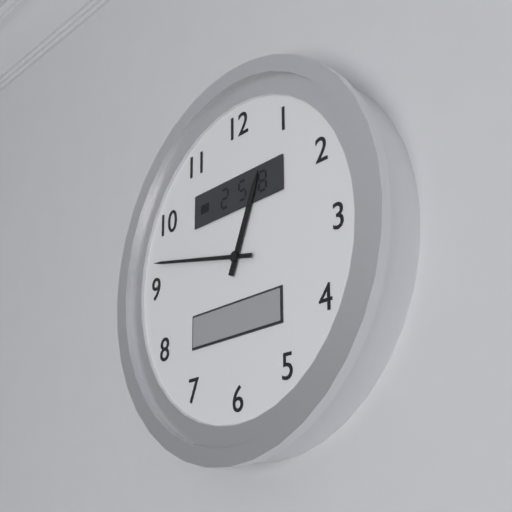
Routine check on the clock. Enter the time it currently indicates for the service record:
12:47
